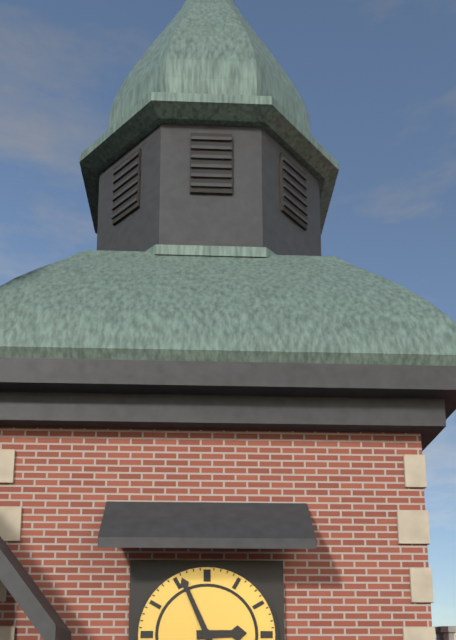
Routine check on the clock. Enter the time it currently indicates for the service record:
2:56
